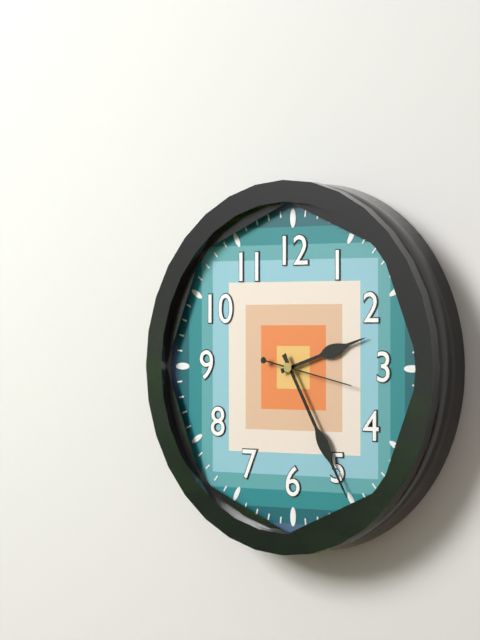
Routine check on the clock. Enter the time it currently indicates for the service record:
2:25:17
